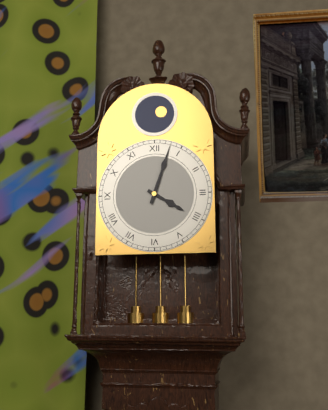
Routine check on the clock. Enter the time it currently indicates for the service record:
4:03
